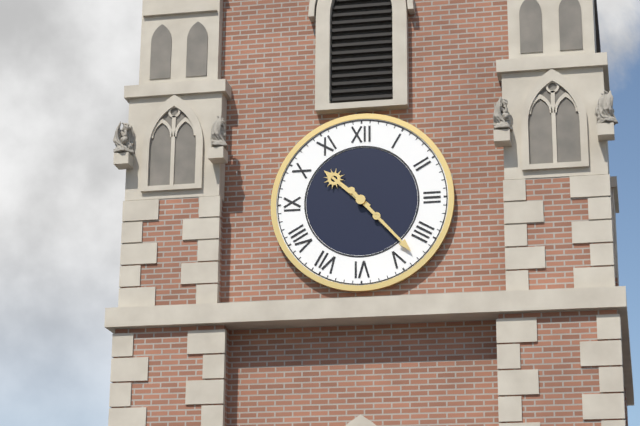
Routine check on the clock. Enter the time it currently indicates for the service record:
10:23
